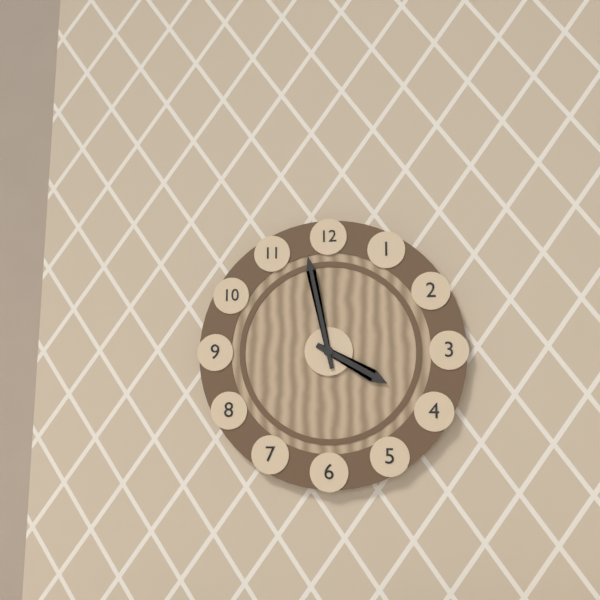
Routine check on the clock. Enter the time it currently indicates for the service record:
3:58
